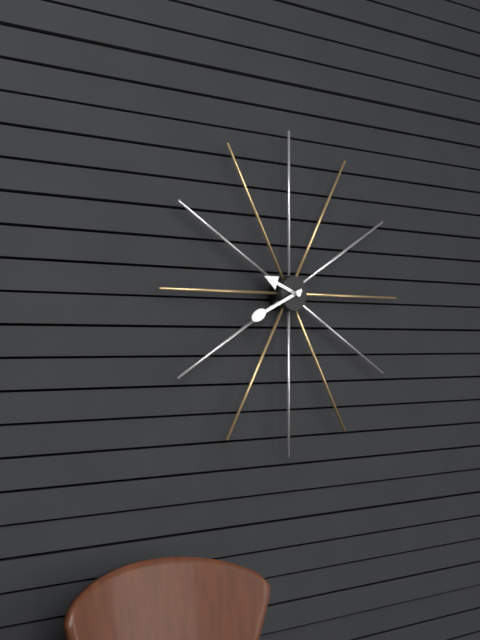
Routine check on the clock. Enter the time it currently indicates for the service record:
9:41
